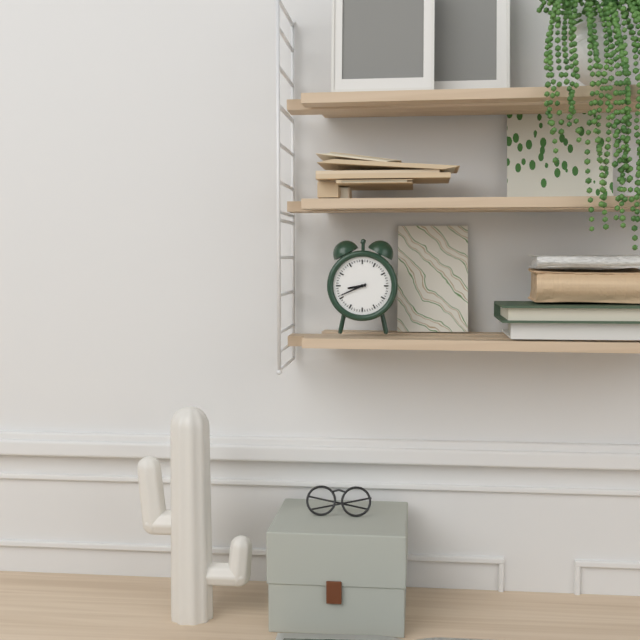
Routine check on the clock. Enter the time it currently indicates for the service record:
8:41
